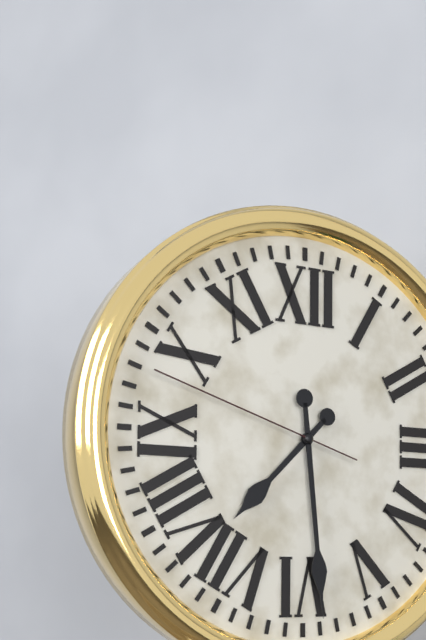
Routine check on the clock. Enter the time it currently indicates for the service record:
7:29:48
